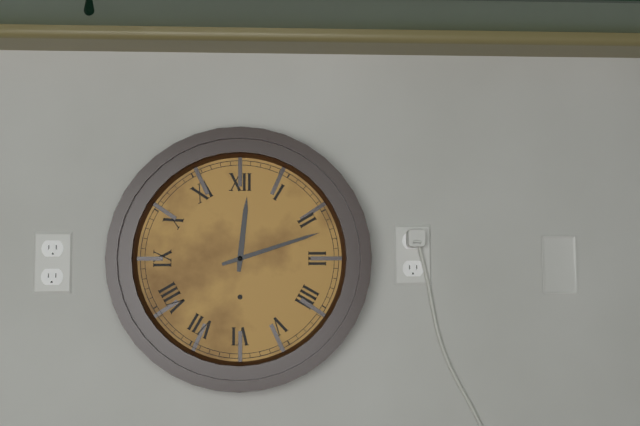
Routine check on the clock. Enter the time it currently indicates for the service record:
12:12
